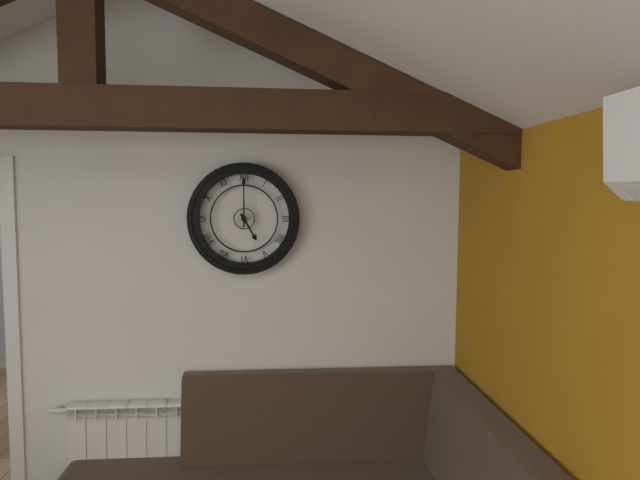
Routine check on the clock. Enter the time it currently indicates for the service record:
5:00
